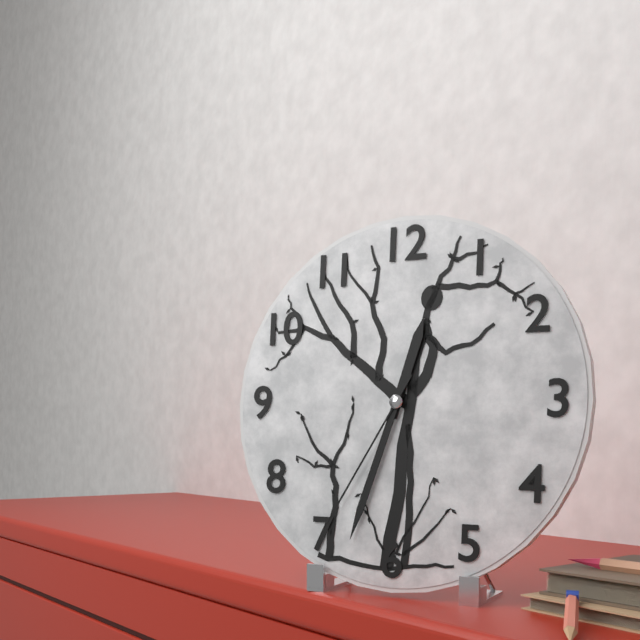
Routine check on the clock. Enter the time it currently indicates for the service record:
12:33:35
